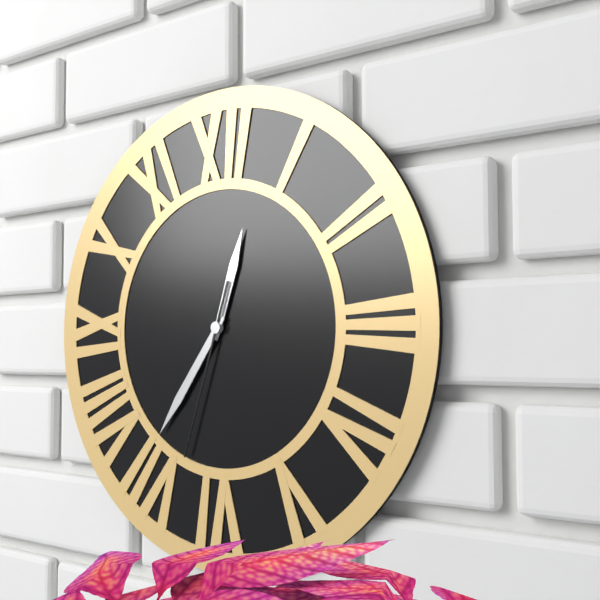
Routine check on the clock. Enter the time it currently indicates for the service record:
12:36:33
